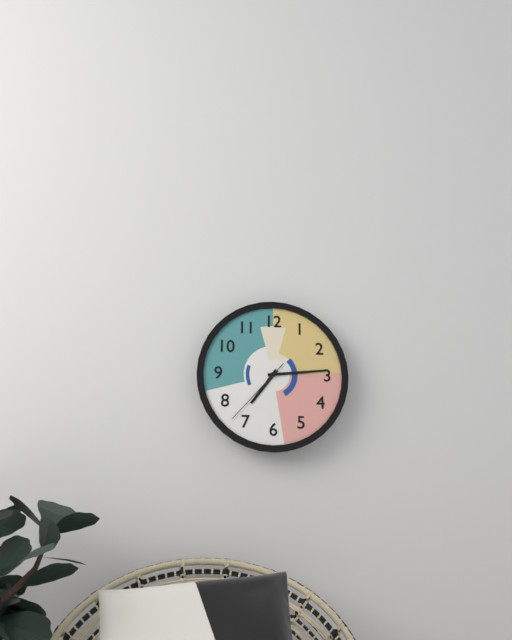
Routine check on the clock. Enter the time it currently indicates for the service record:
7:14:37
